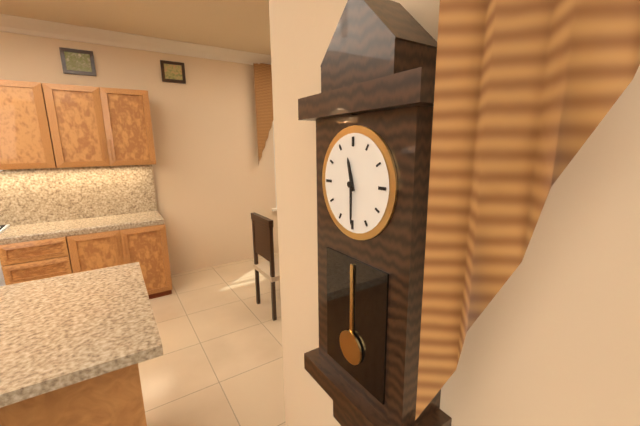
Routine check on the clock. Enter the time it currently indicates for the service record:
11:30
